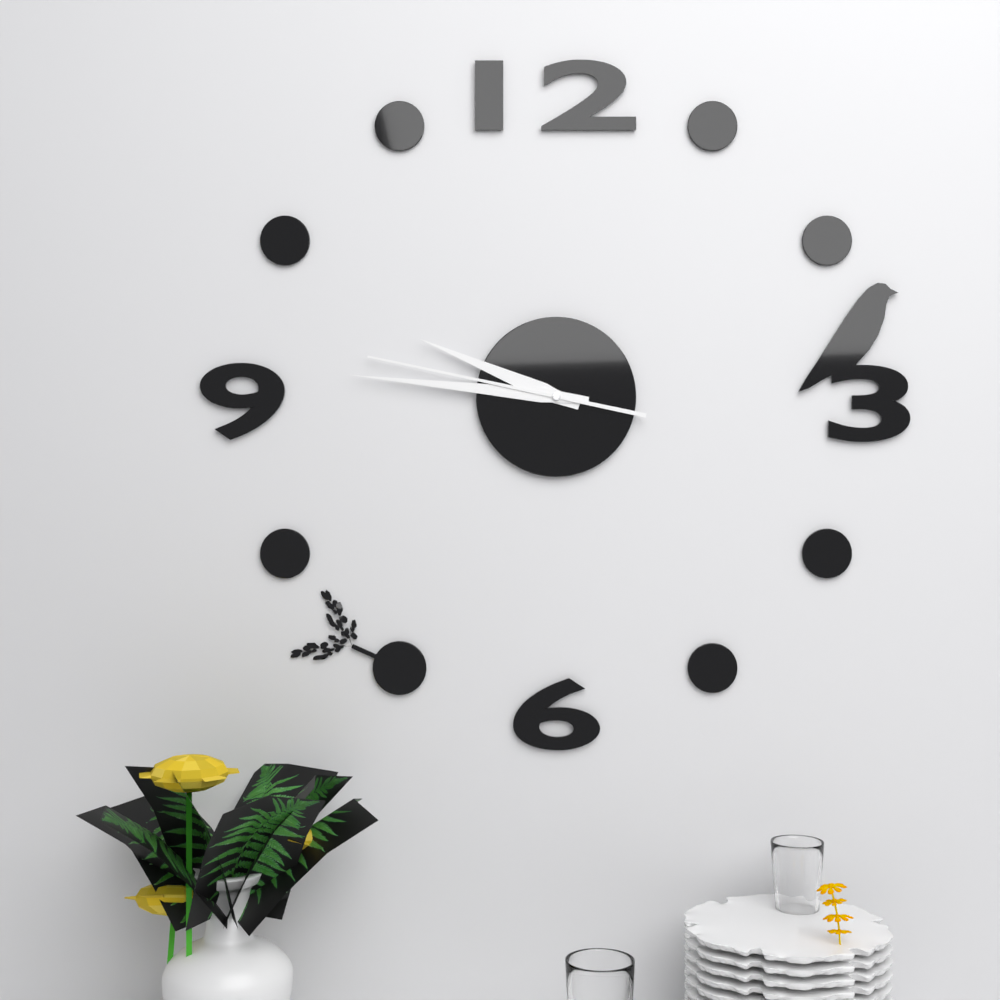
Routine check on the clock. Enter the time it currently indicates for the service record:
9:46:47
